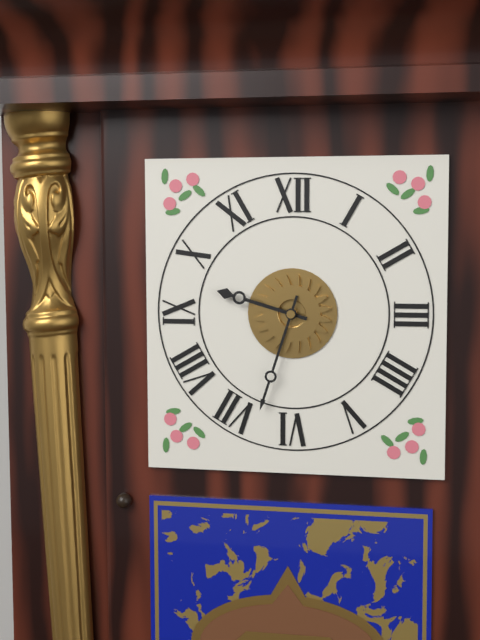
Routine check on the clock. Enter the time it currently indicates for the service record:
9:33
